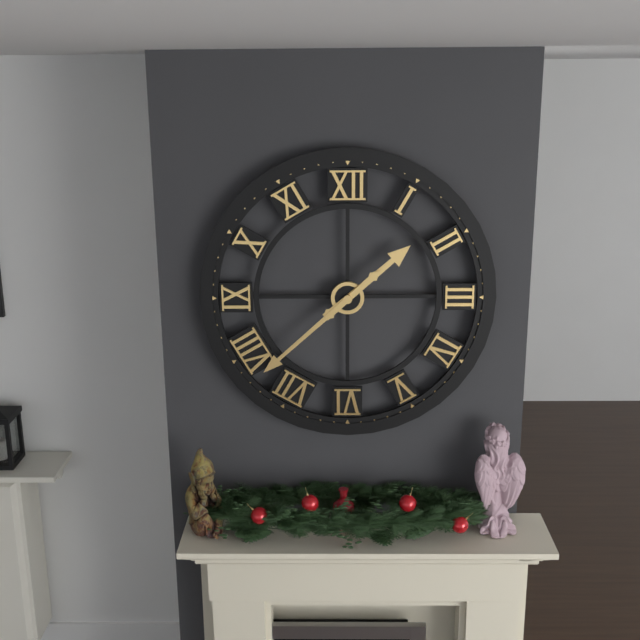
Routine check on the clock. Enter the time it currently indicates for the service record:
1:38
